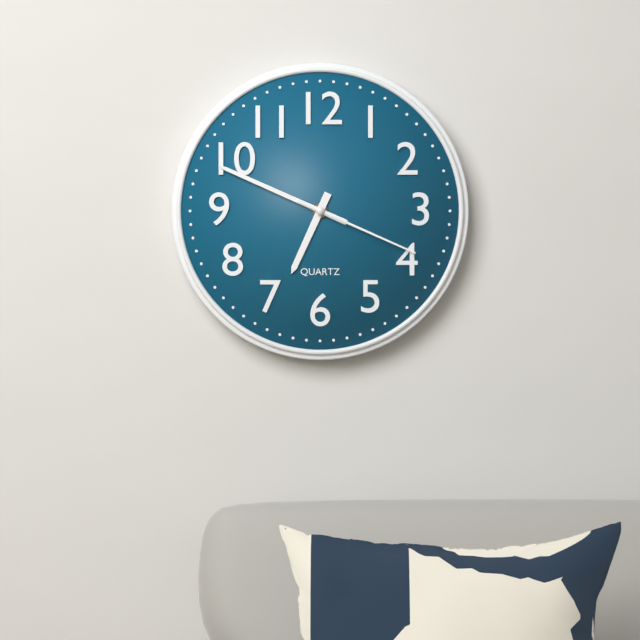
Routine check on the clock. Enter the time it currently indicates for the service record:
6:49:19
